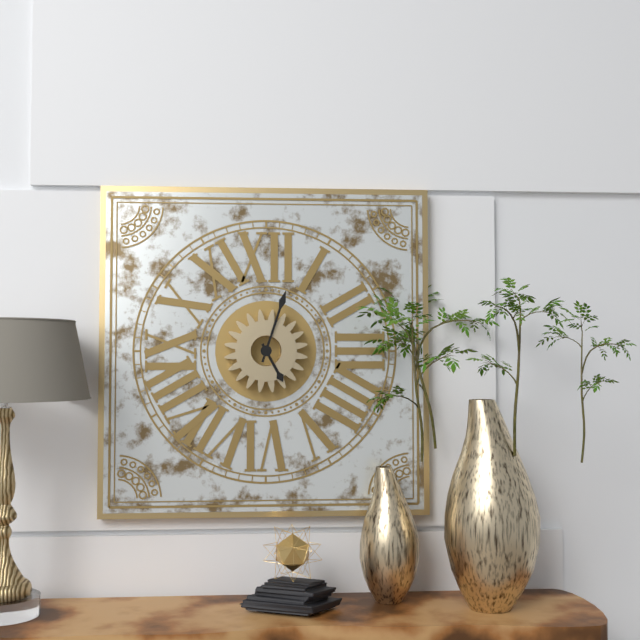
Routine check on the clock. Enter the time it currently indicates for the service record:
5:03
